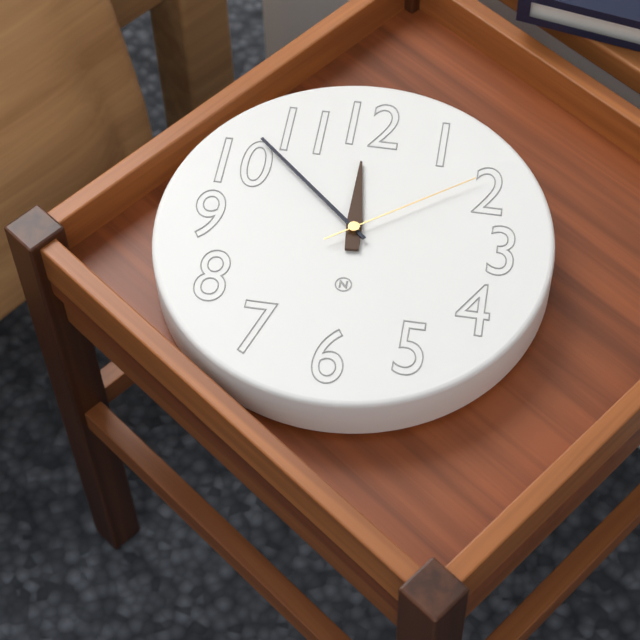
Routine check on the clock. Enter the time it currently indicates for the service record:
11:52:09
